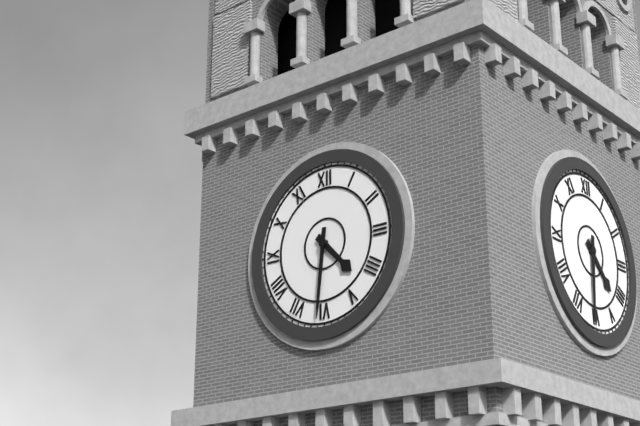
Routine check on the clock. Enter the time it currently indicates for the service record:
4:31
